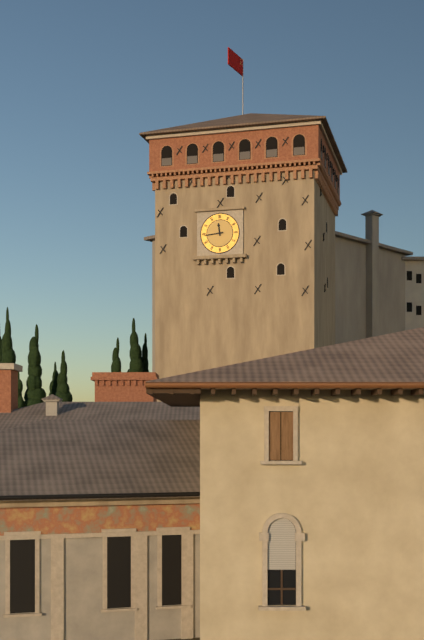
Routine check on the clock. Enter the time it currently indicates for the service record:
11:44
